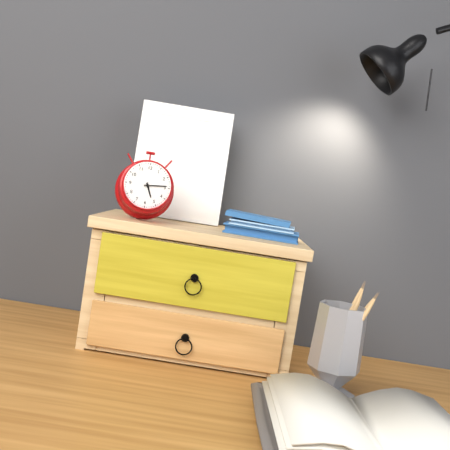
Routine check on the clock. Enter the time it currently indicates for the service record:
5:14
